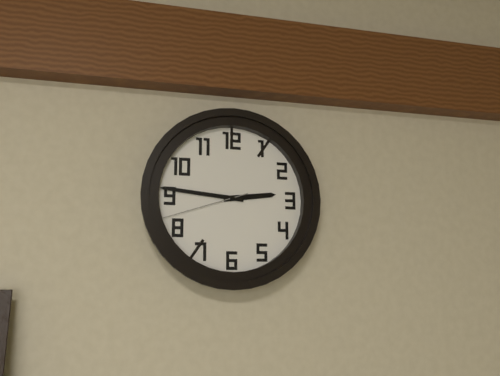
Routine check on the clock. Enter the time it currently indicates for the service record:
2:46:42
